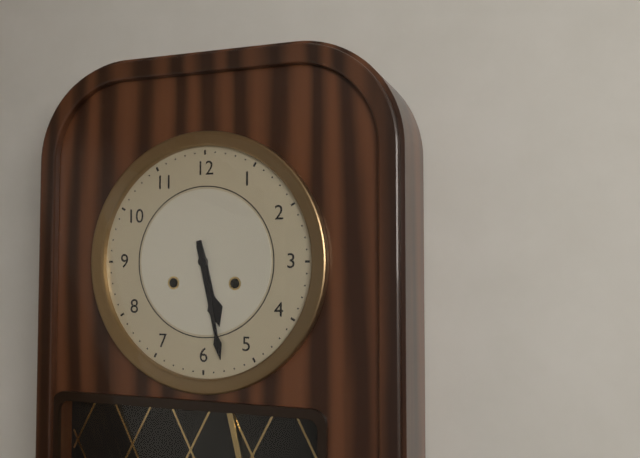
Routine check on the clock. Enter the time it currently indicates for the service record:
5:28
